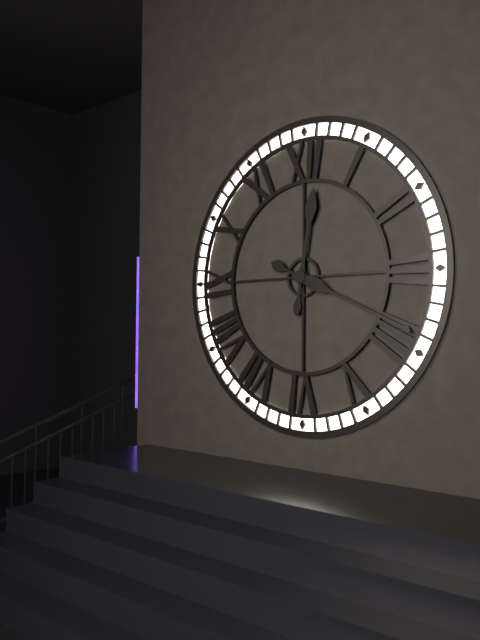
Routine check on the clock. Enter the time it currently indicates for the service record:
12:19
